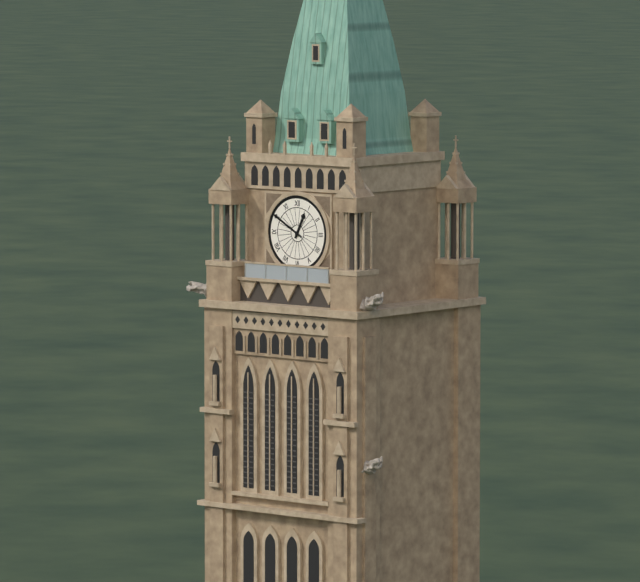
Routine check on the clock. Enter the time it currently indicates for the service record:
12:50
